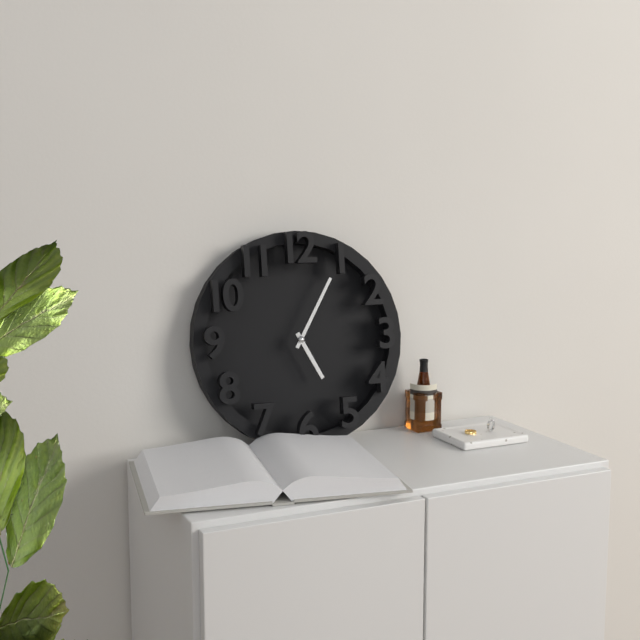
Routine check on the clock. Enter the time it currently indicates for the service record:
5:05
